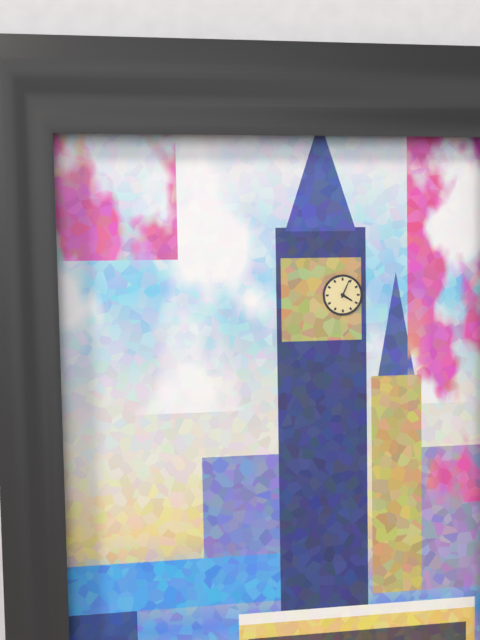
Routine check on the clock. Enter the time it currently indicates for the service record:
4:04
